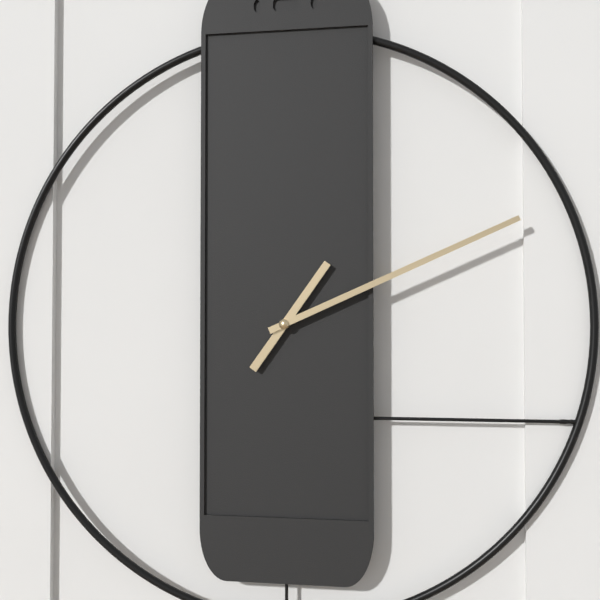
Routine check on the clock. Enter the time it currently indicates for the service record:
1:11
